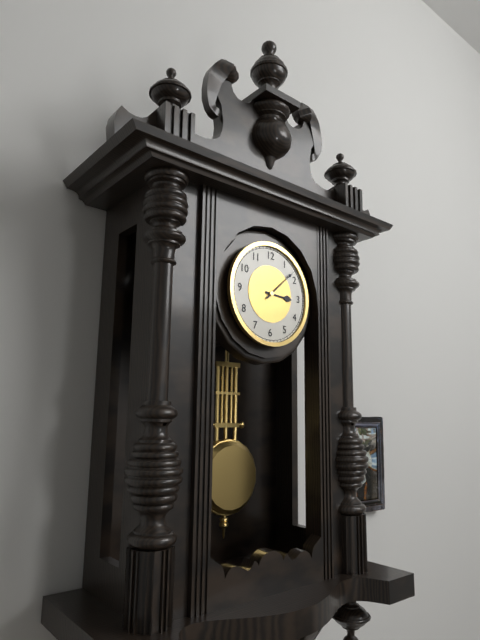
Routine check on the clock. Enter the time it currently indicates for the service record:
3:08
